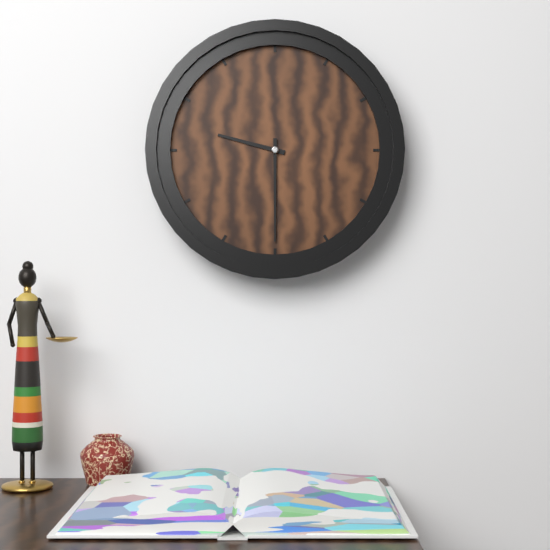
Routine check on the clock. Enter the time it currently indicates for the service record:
9:30
